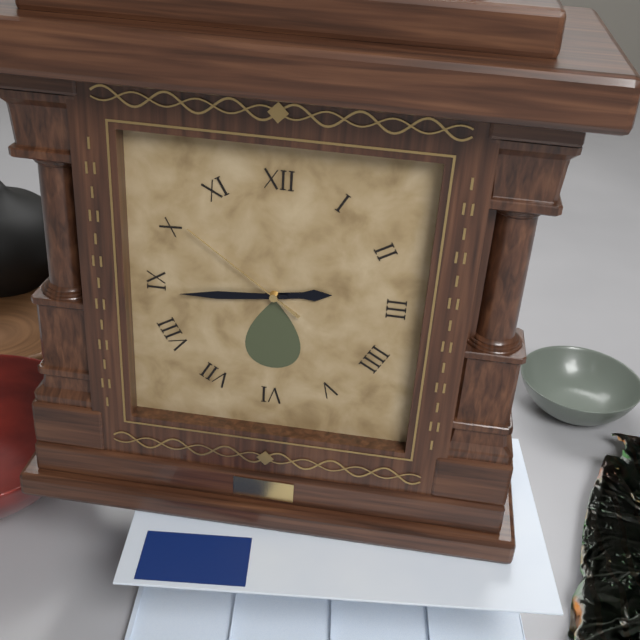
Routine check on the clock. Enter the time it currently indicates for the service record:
2:44:51
